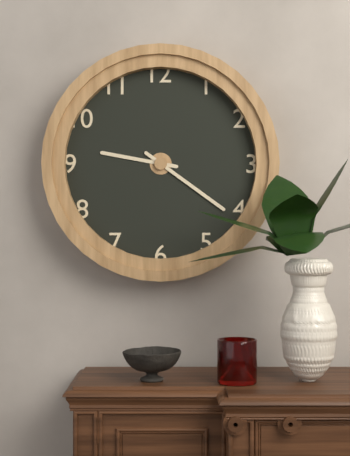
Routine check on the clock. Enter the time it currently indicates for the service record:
9:21
